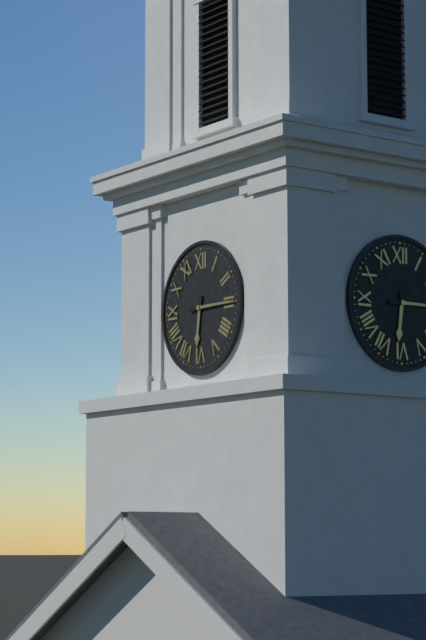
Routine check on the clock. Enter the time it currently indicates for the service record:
6:15
